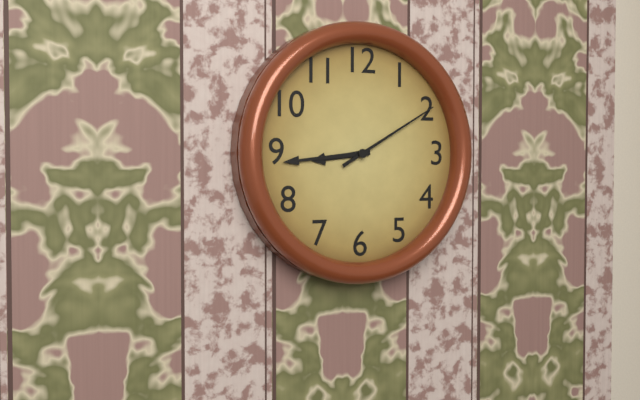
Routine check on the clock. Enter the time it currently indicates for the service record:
8:44:10
